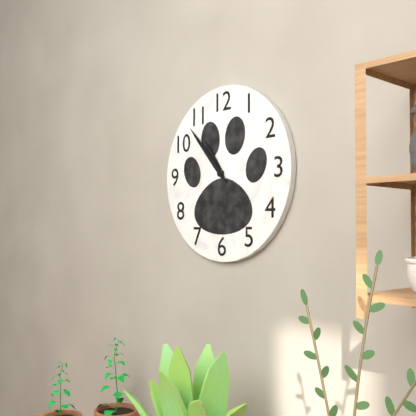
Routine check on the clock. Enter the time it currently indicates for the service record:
10:53
